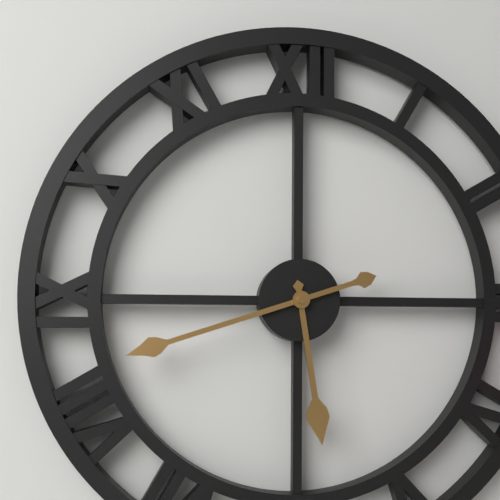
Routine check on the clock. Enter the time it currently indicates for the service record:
5:42
